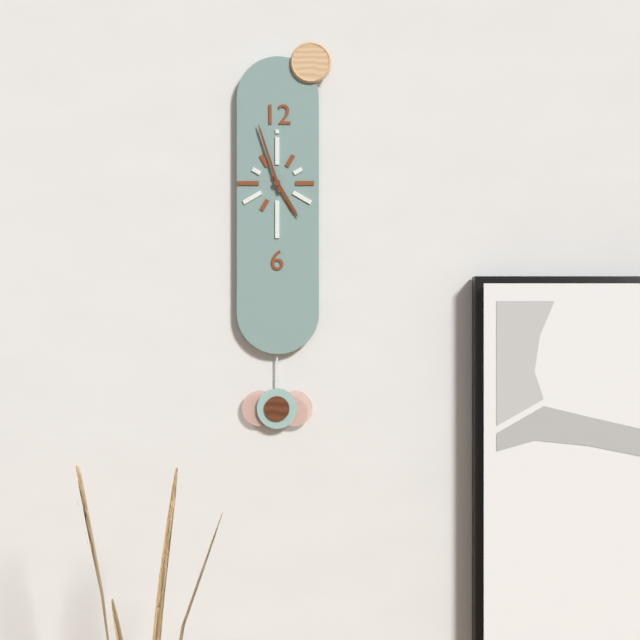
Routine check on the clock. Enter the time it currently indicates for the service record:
4:57
